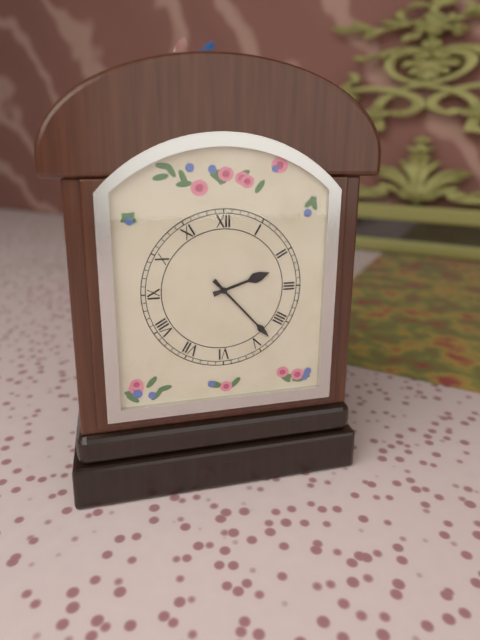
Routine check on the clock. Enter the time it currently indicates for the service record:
2:23
